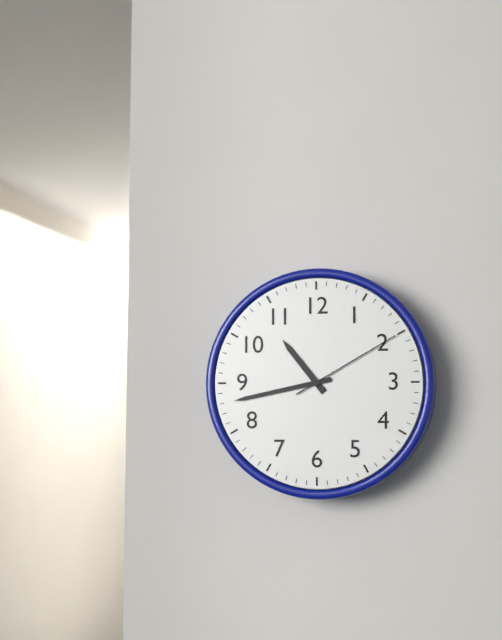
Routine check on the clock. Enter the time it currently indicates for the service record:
10:43:10
